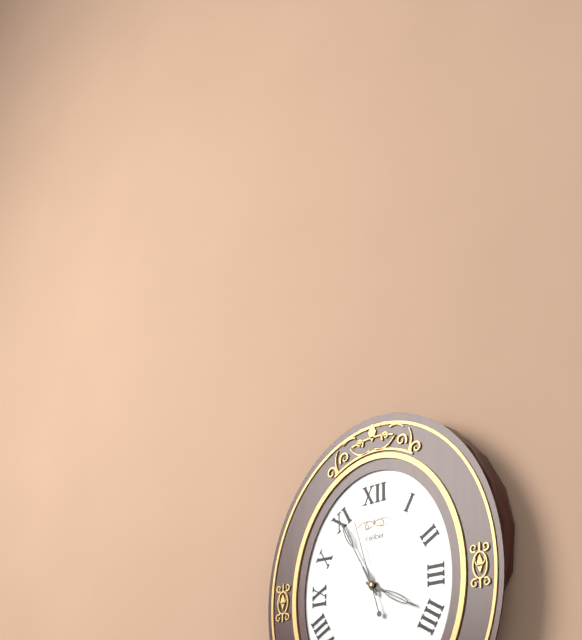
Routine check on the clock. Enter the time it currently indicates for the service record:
3:55:57
